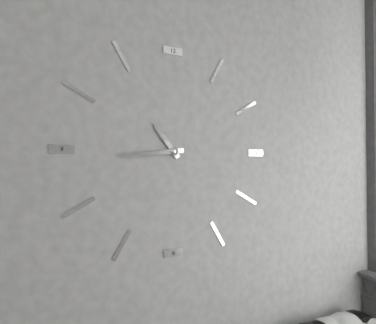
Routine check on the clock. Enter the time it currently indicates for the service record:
10:44
